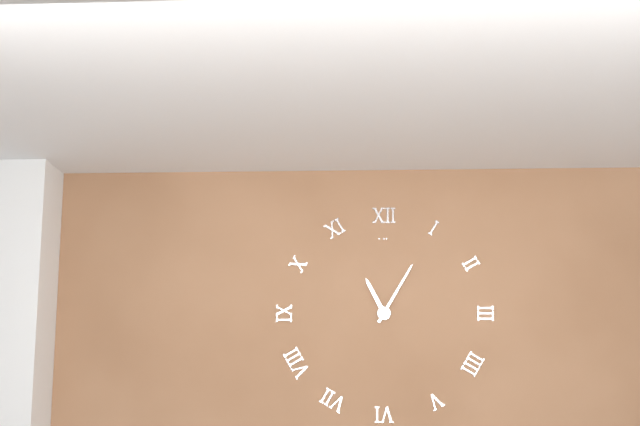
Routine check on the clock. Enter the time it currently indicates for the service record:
11:05
